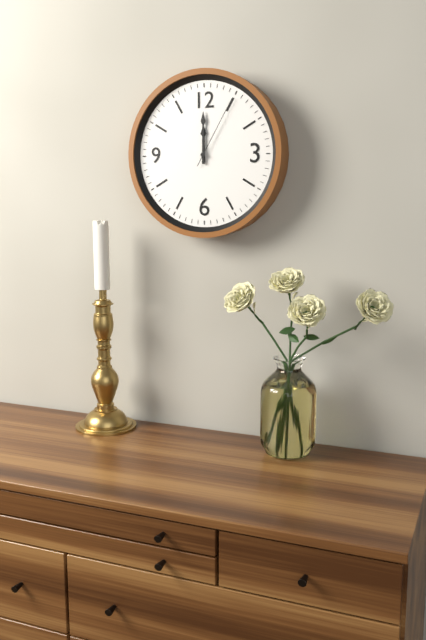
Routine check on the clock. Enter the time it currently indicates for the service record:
12:00:05
